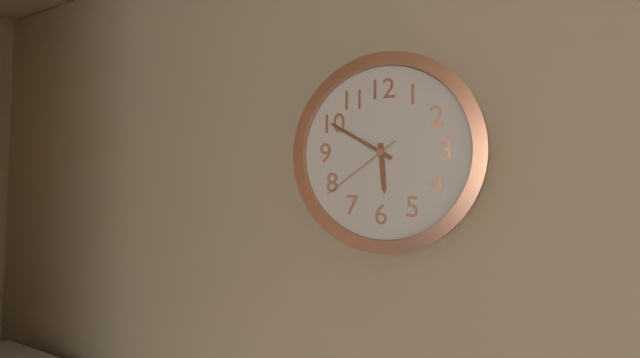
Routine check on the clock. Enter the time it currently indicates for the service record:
5:50:39
